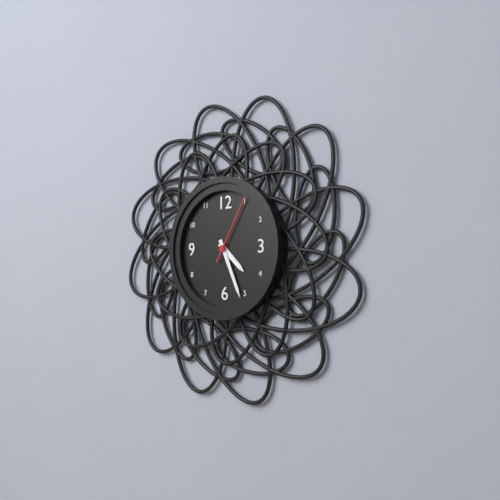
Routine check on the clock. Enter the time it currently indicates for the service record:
4:26:05
